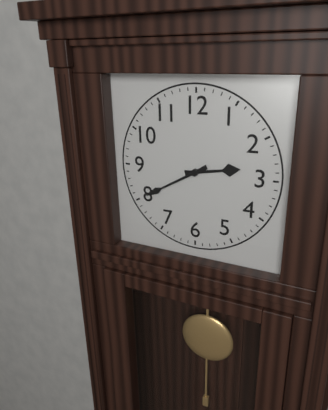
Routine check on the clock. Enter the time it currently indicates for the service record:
2:40
